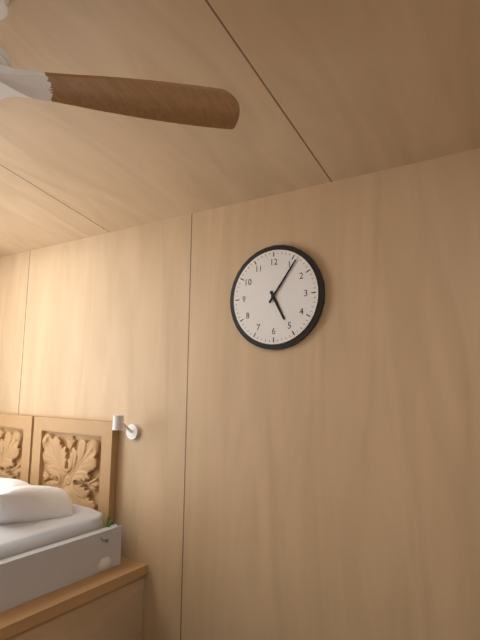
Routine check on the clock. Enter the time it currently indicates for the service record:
5:06
